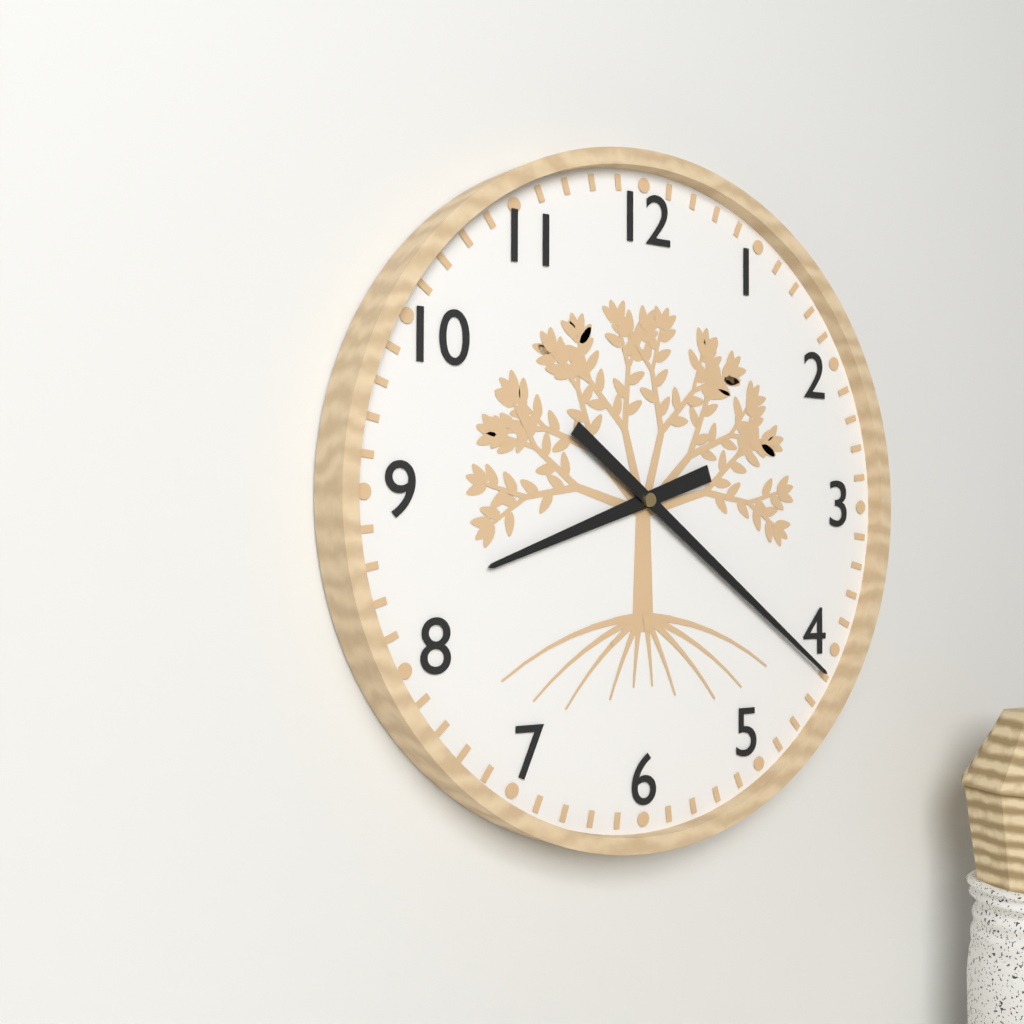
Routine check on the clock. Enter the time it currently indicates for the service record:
8:21
